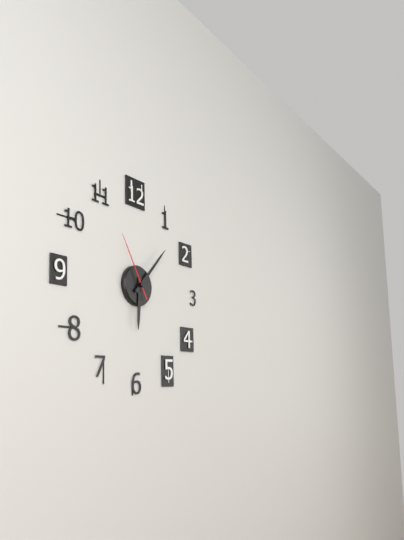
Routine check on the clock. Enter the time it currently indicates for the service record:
6:07:55
